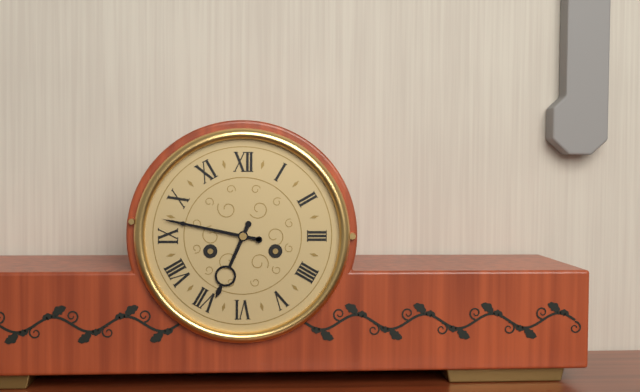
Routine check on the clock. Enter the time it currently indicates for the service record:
6:47
